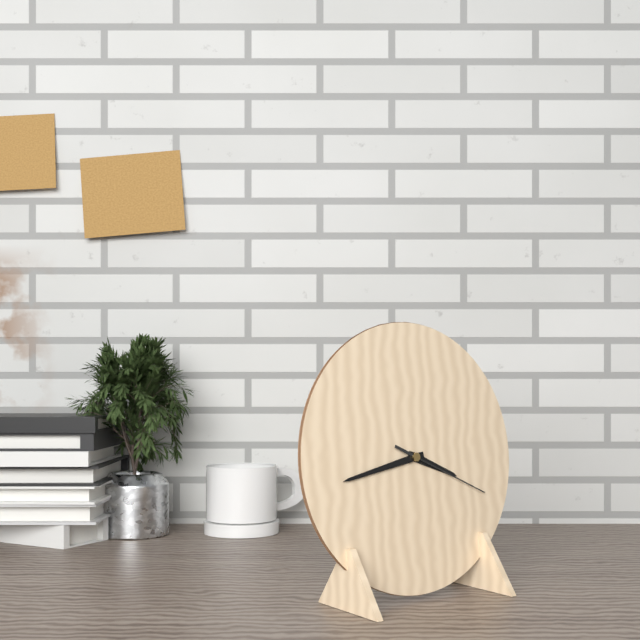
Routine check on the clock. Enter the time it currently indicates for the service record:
3:43:19
